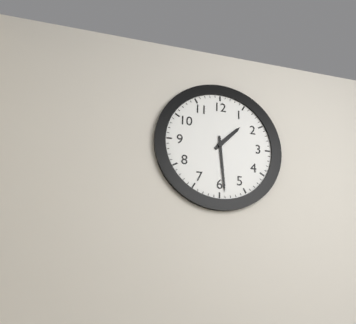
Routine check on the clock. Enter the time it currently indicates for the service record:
1:29
